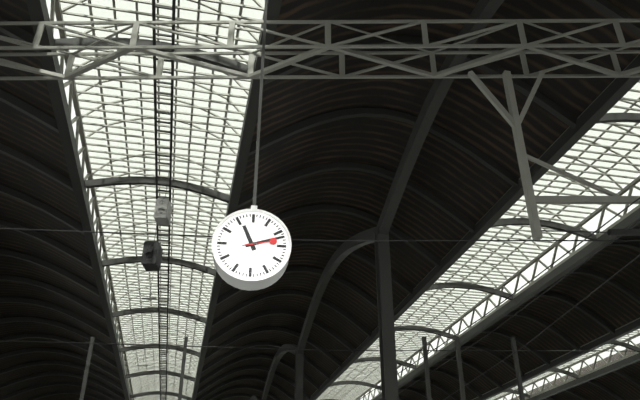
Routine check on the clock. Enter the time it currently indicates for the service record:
11:12
